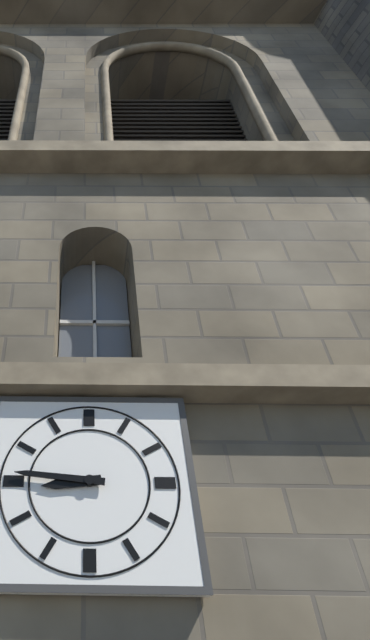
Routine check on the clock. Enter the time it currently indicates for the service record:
8:46
